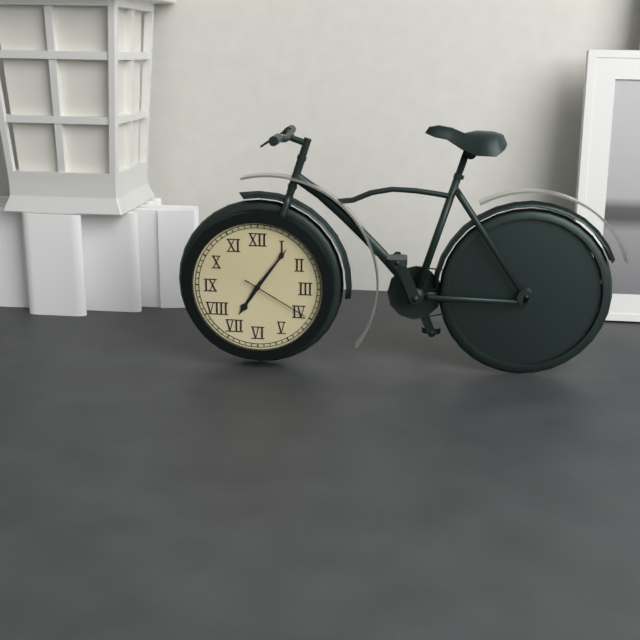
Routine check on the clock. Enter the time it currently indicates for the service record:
7:06:20
